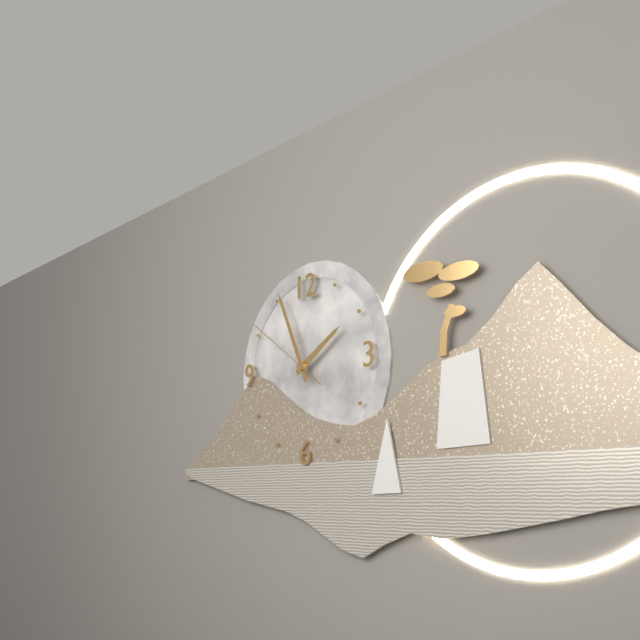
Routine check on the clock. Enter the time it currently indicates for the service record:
1:56:51
